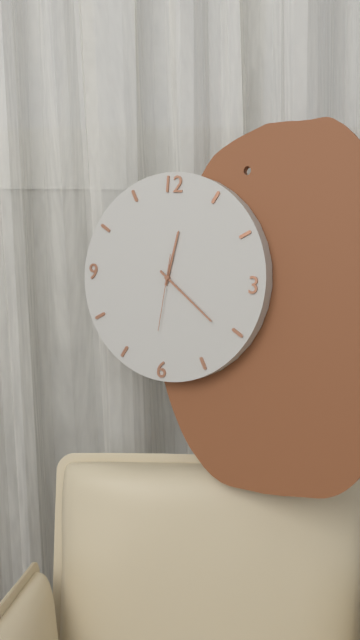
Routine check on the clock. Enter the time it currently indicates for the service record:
12:21:31
